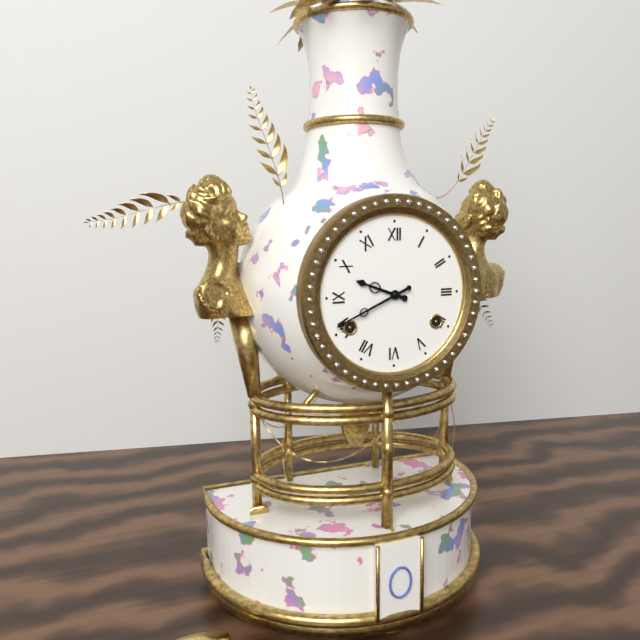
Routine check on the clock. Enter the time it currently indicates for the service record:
9:41
